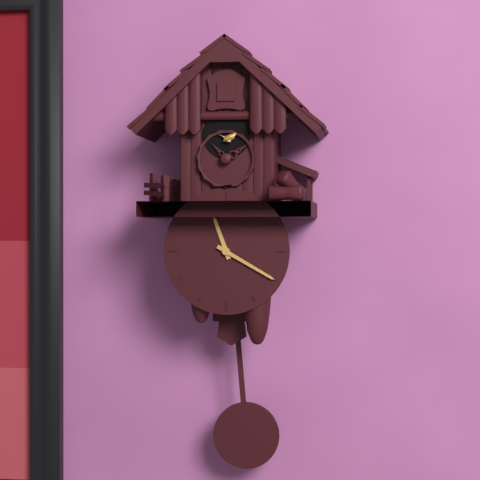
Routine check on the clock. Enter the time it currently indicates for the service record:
11:20
